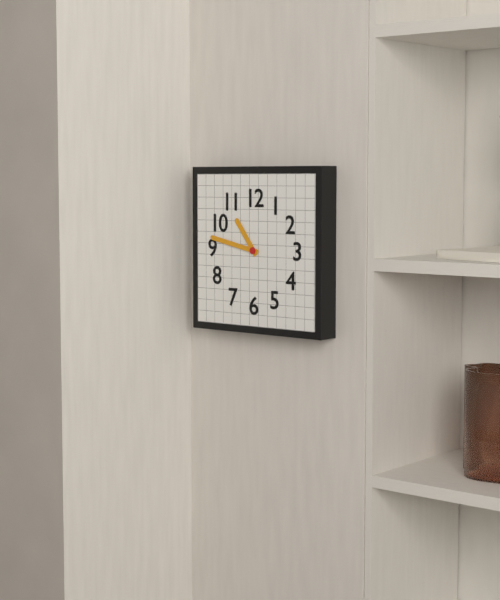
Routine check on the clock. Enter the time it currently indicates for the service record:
10:47
